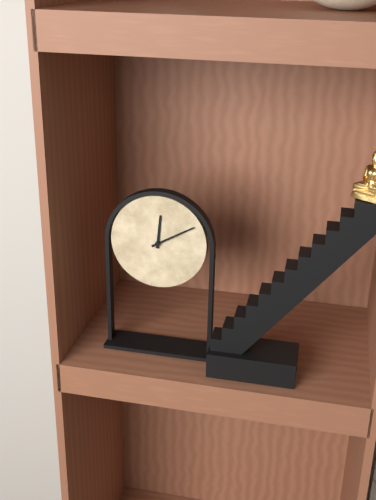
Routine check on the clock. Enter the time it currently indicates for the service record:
12:10
